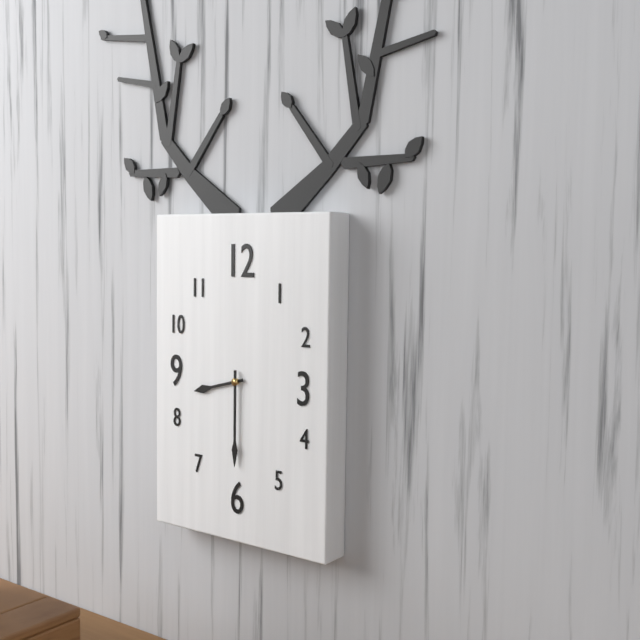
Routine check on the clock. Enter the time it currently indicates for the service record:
8:30
